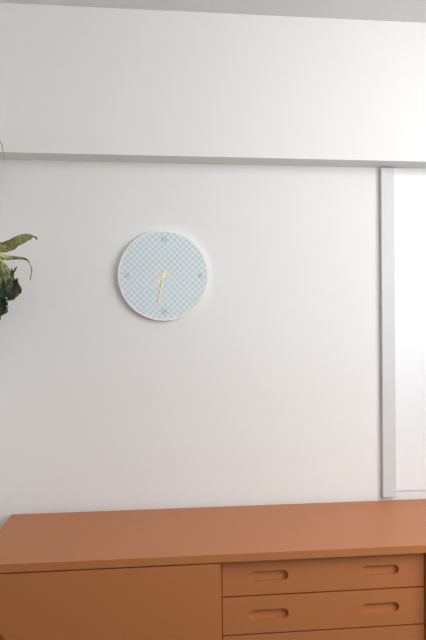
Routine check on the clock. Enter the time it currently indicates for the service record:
7:32
